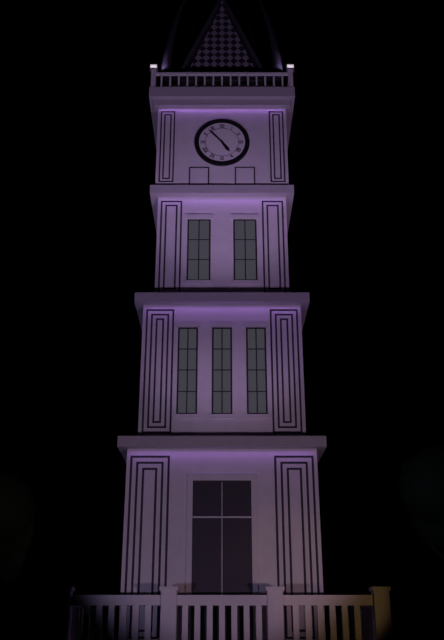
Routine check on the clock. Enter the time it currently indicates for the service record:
4:53
